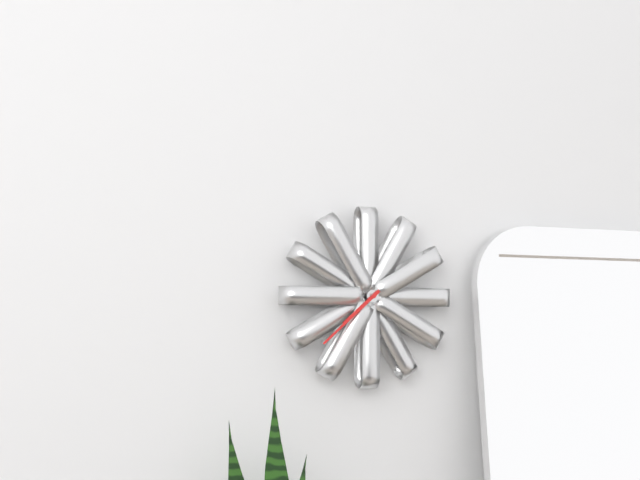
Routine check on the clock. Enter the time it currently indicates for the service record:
7:38
